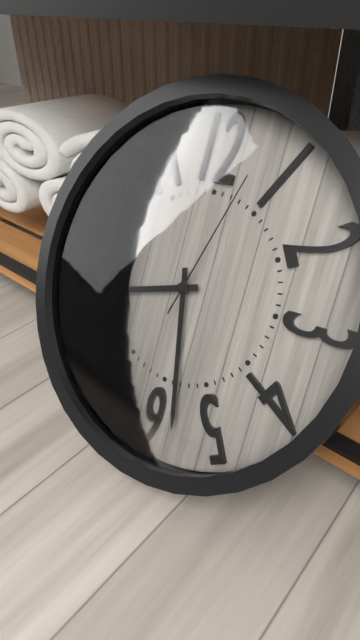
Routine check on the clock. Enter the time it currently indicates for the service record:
8:28:03
